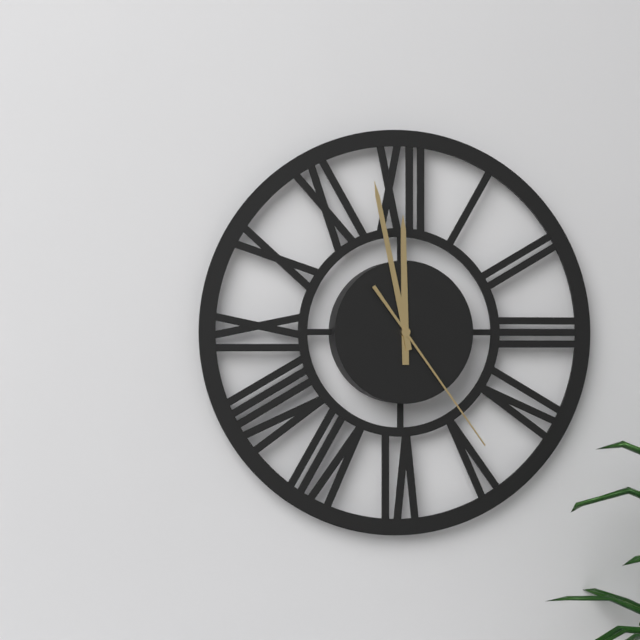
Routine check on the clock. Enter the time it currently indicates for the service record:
11:58:24
